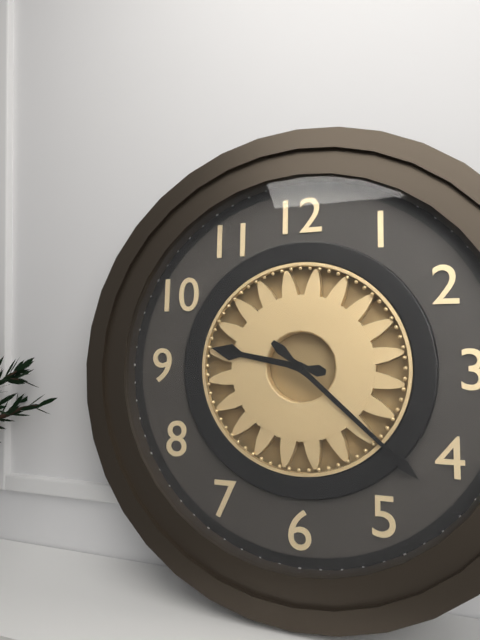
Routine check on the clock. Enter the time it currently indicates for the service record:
9:22
